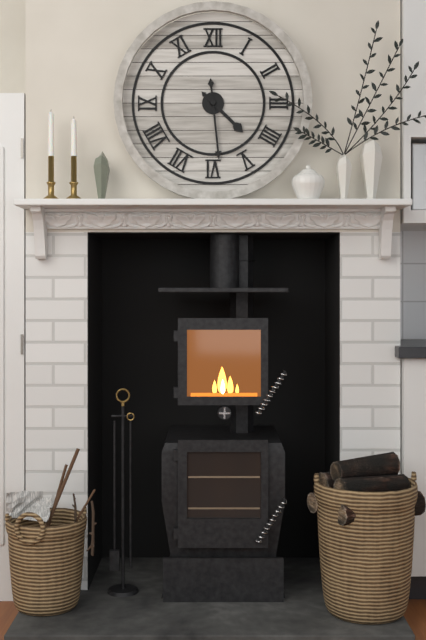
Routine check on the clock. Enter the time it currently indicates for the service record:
4:29
